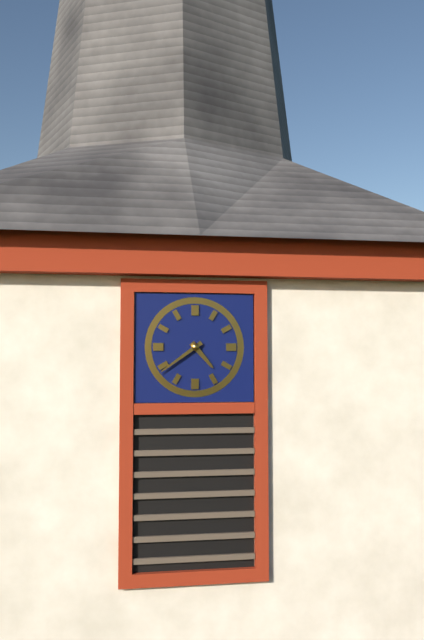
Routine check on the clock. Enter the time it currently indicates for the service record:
4:39
